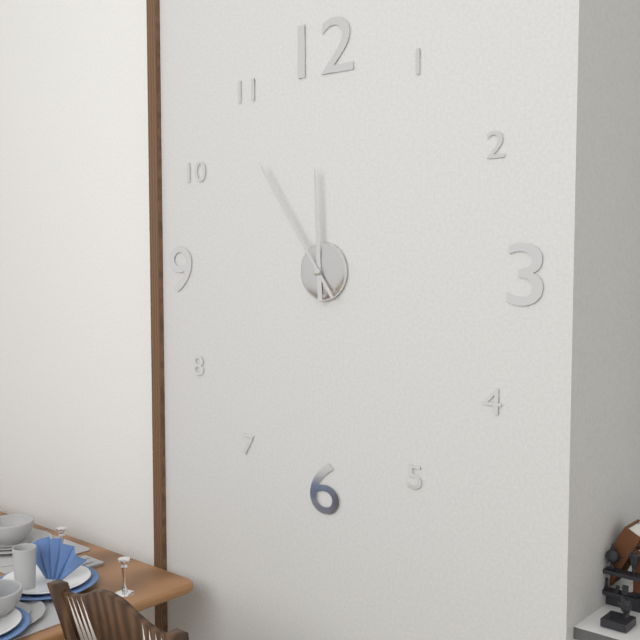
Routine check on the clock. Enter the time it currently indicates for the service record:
11:54
